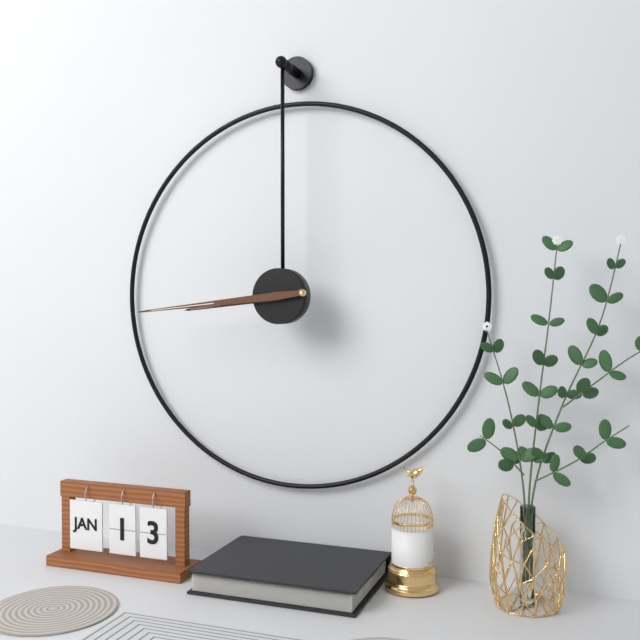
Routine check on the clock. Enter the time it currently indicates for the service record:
8:44
